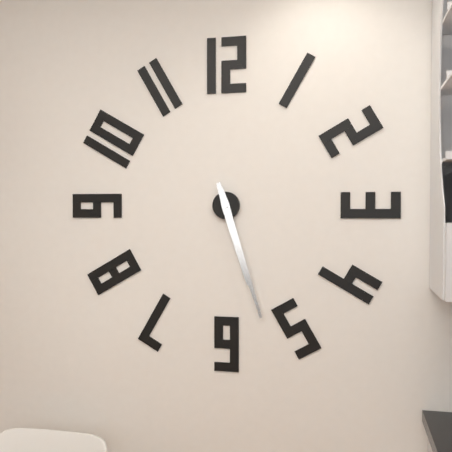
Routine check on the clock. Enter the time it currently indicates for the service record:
5:27
